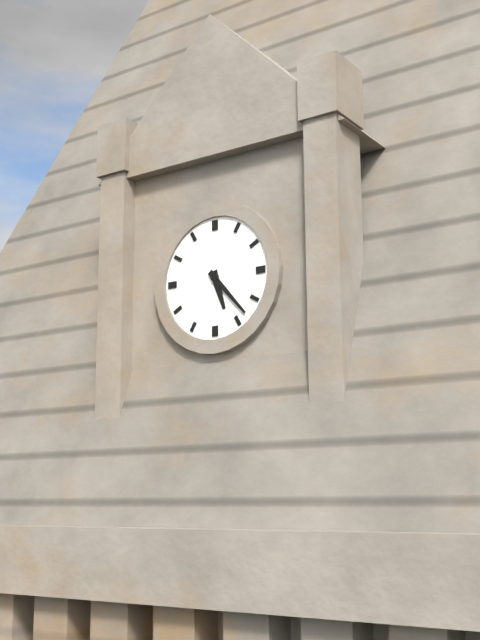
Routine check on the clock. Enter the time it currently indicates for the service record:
5:23
